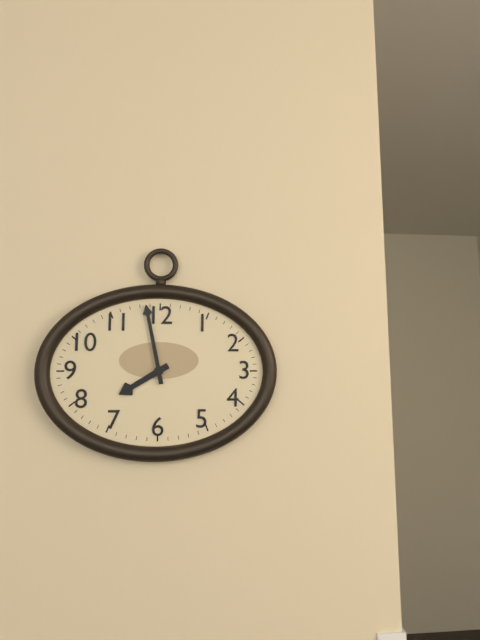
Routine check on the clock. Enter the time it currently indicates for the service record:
7:58
